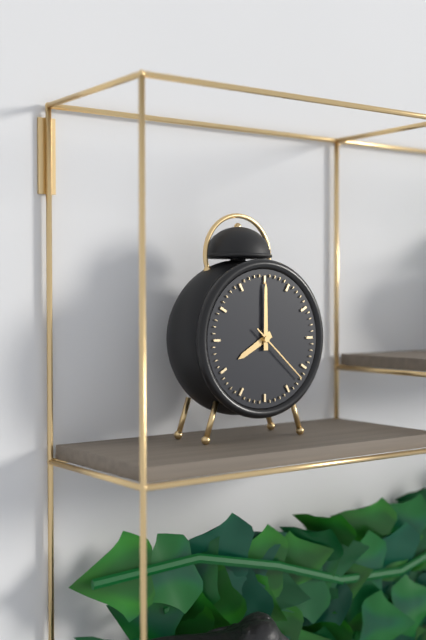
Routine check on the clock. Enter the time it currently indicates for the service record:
8:00:22
